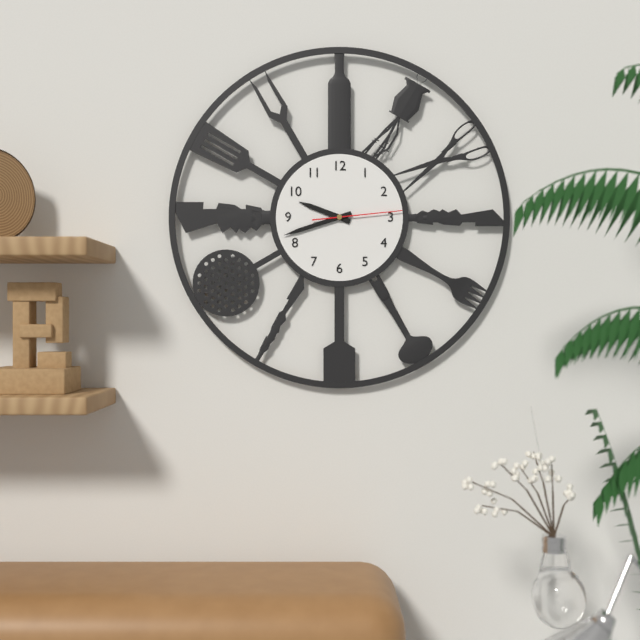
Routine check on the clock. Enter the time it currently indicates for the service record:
9:42:14
